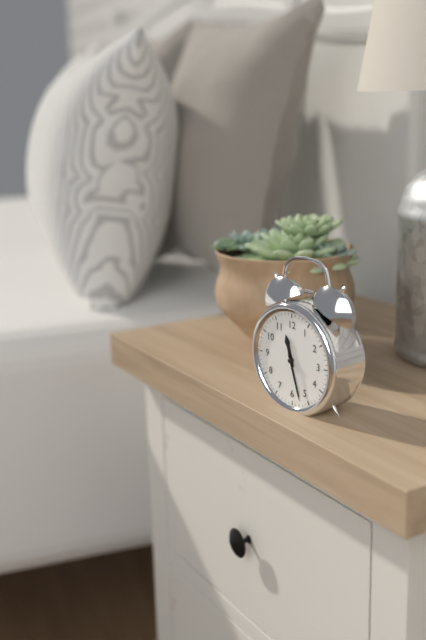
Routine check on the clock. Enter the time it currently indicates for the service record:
11:27
